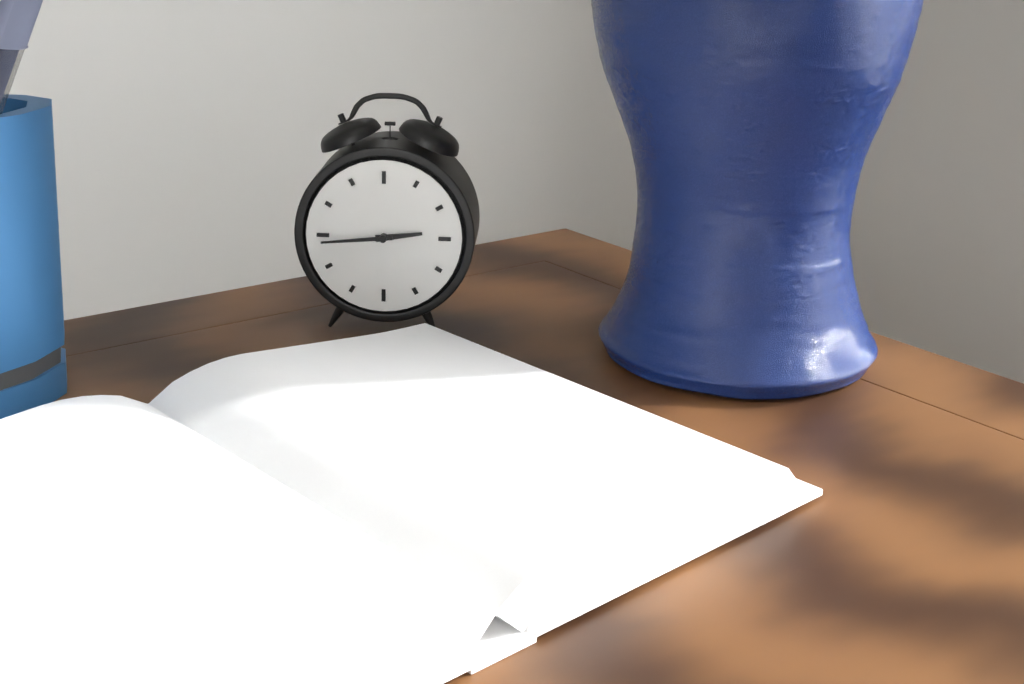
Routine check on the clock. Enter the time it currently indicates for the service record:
2:44
